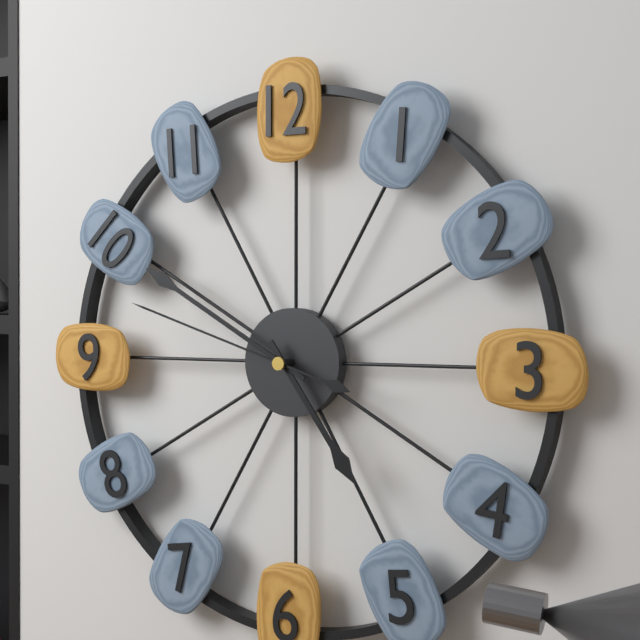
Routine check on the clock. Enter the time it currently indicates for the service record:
4:50:48
